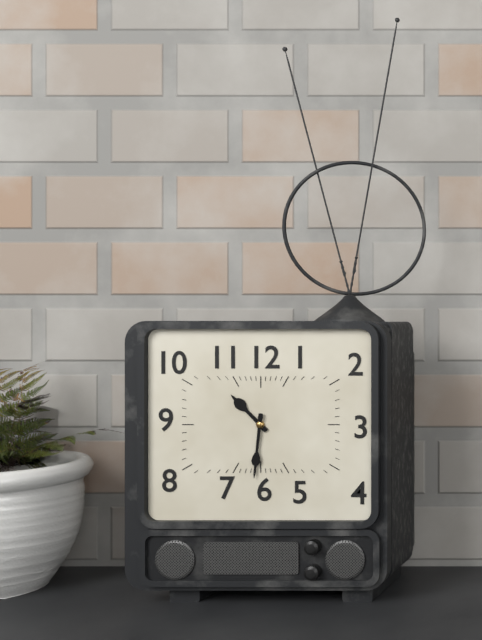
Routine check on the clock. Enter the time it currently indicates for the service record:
10:31
